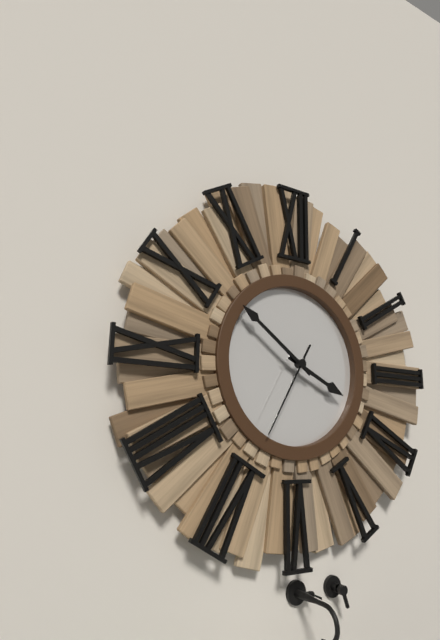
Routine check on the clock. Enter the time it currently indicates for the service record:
3:51:35
